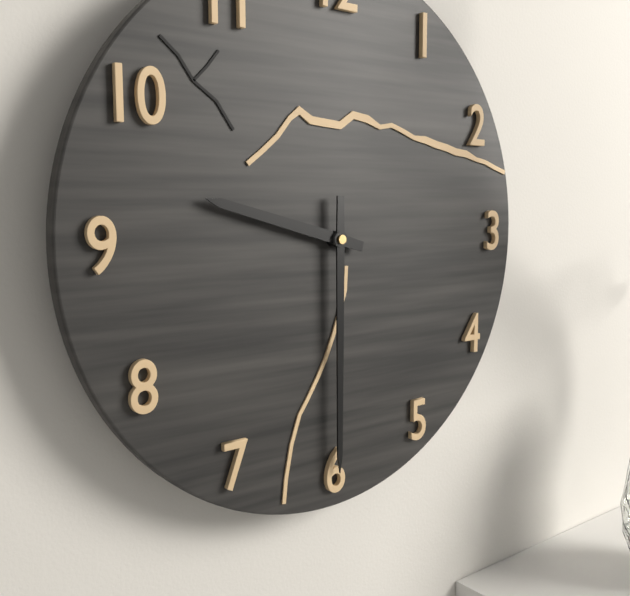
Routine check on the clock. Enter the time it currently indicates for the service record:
9:30
